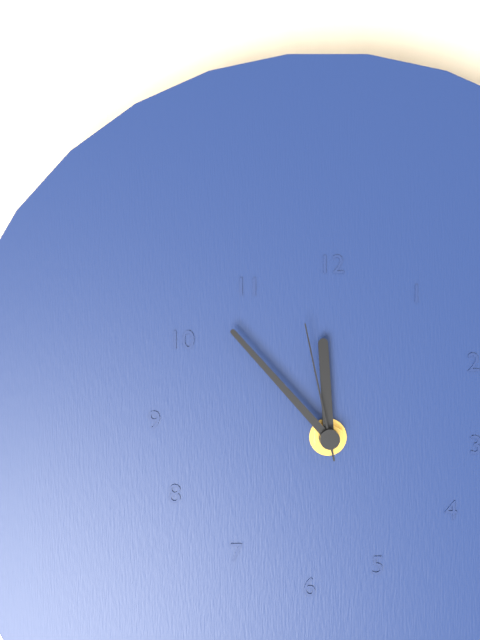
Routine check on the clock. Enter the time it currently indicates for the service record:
11:53:58
